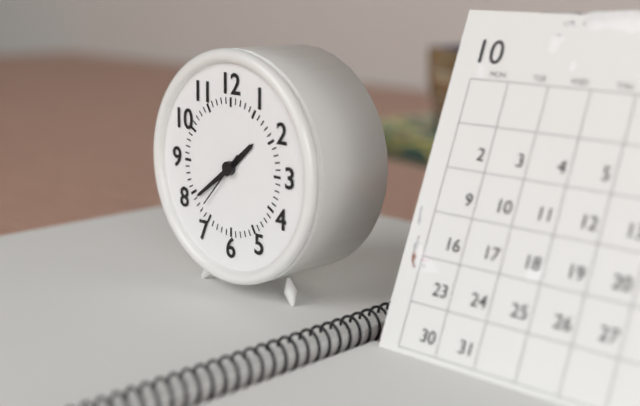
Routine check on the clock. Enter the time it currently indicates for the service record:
1:39:37
